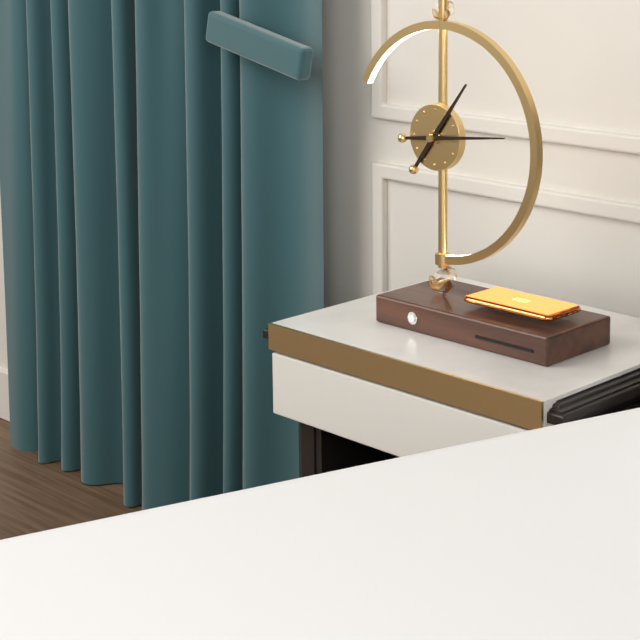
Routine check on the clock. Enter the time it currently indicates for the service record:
1:14
